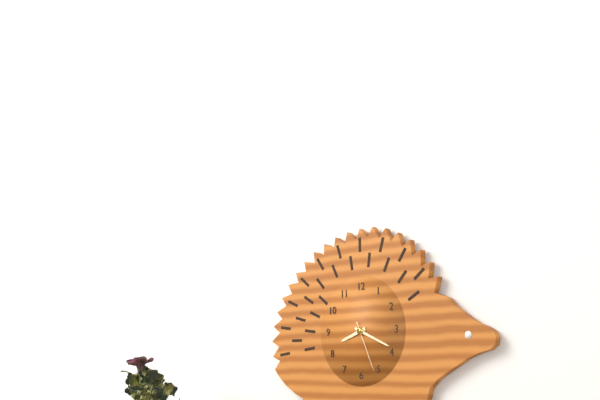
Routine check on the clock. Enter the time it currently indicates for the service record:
8:19:26
